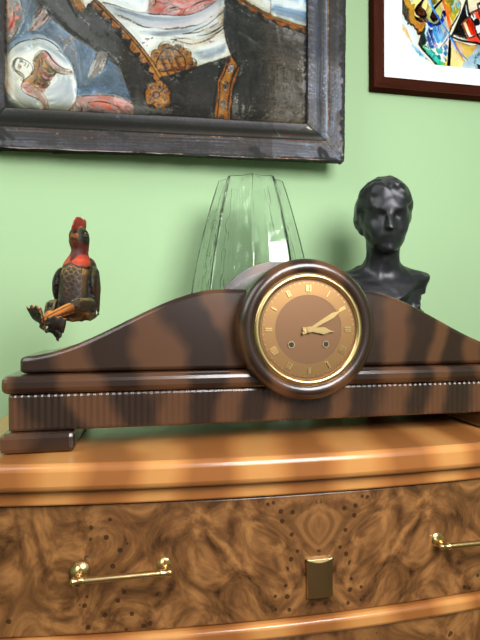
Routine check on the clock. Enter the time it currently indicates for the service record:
3:10
